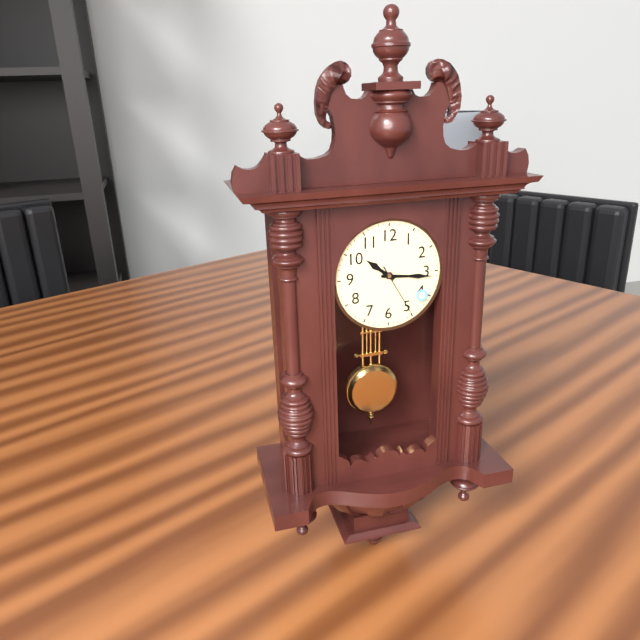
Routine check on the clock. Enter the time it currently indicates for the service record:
10:16:25
